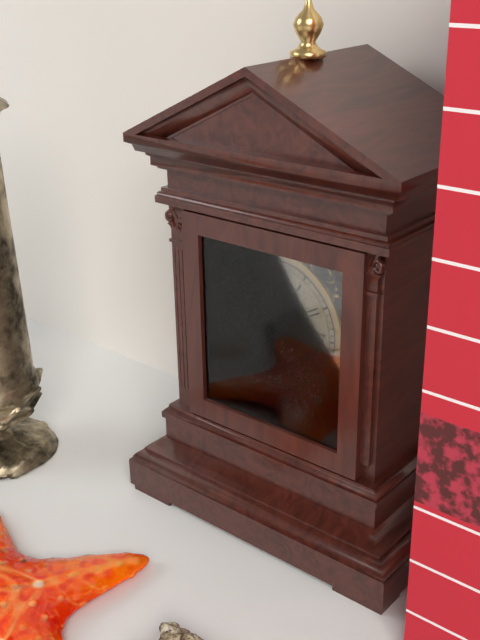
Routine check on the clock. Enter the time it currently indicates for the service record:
1:51:33
